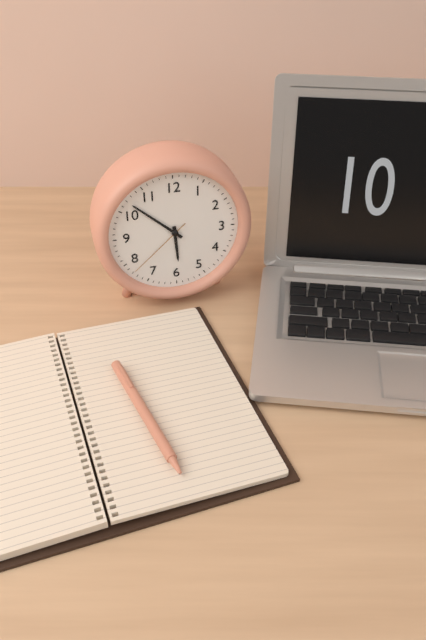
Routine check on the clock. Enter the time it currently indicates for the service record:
5:52:38
